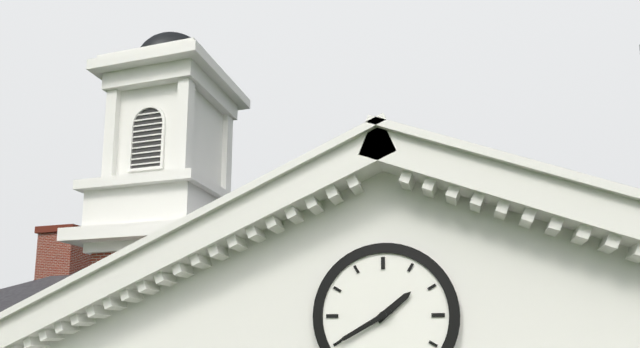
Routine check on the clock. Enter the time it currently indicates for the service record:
1:40
